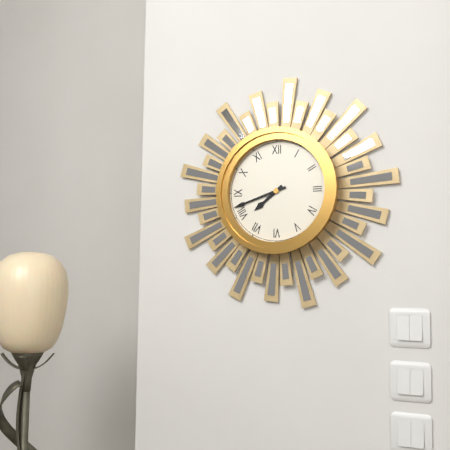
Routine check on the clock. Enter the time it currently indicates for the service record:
7:42
